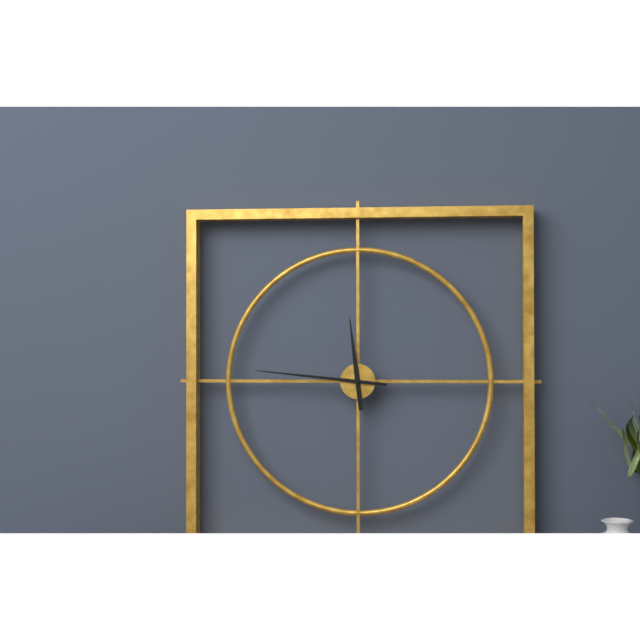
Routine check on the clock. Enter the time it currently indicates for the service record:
11:46
